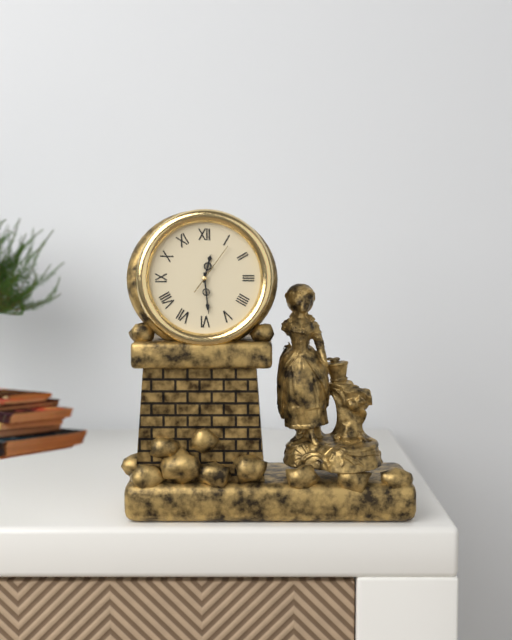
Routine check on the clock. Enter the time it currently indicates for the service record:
12:29
